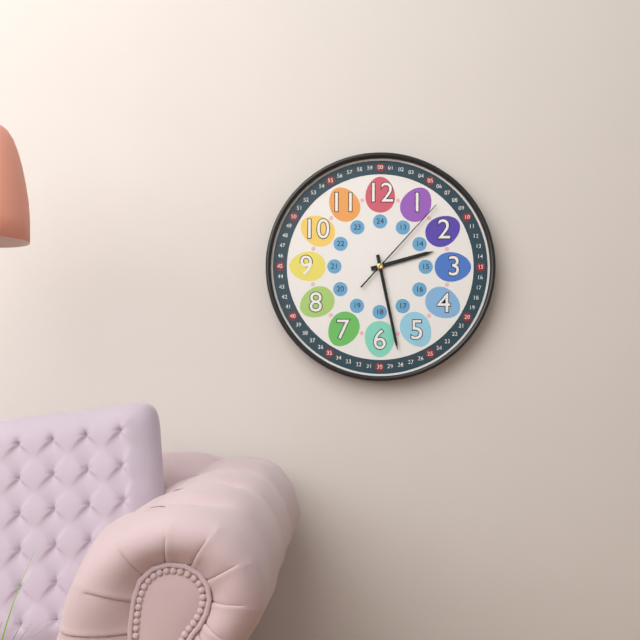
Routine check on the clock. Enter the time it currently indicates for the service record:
2:28:07
